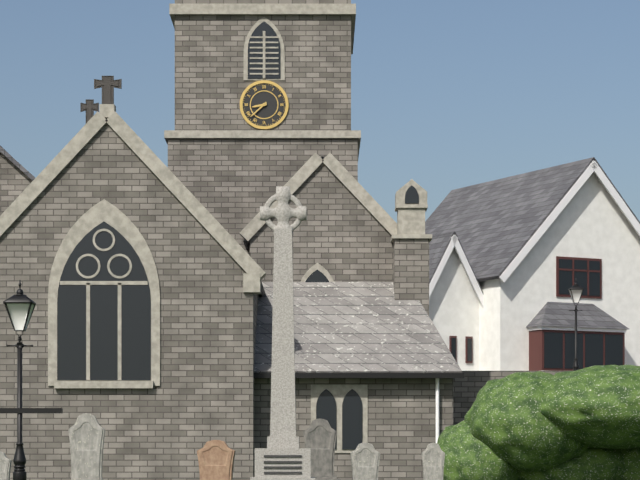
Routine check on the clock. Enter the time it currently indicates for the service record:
8:38
